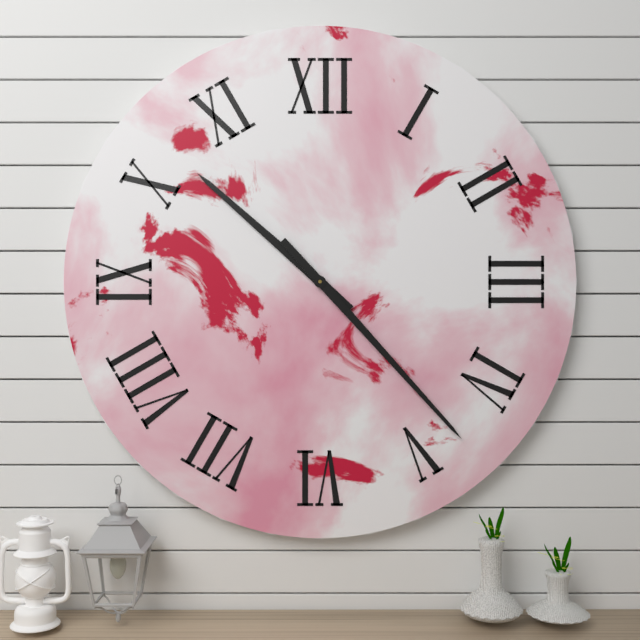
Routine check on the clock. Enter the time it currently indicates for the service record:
10:23
